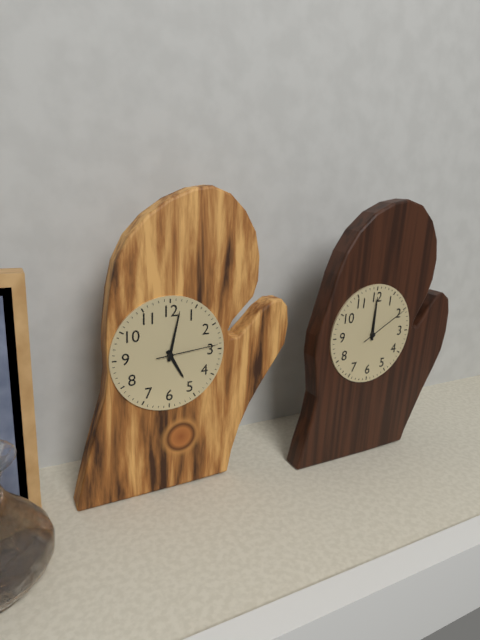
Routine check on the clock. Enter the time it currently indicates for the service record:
5:02:14
